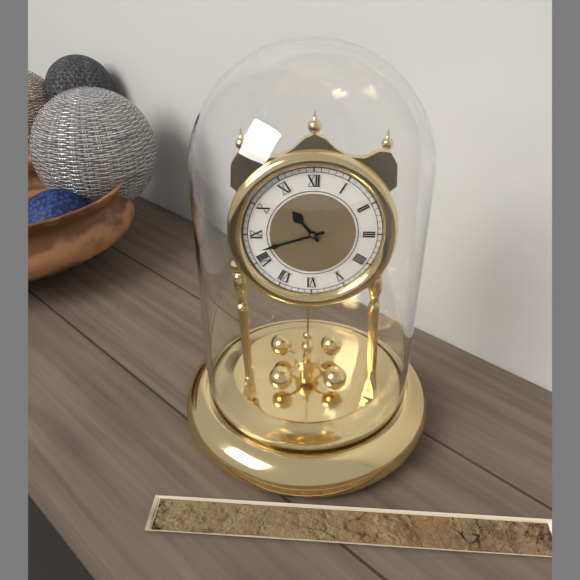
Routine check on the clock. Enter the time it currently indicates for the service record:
10:42
